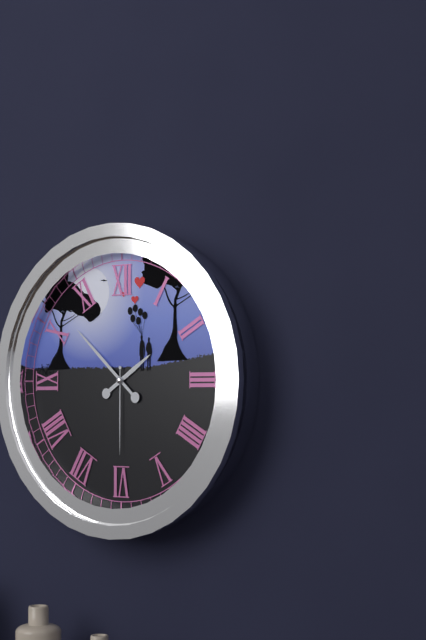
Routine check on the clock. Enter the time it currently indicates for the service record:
1:52:30
